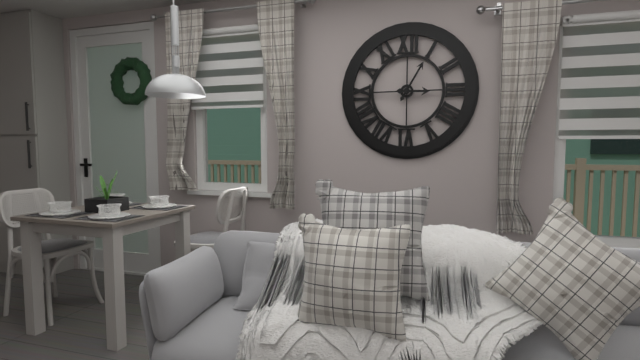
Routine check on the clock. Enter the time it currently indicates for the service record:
3:05
